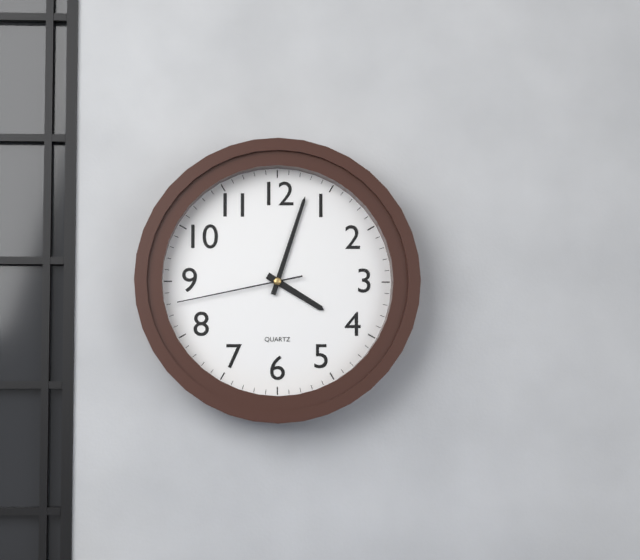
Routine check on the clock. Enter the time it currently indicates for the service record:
4:03:43
